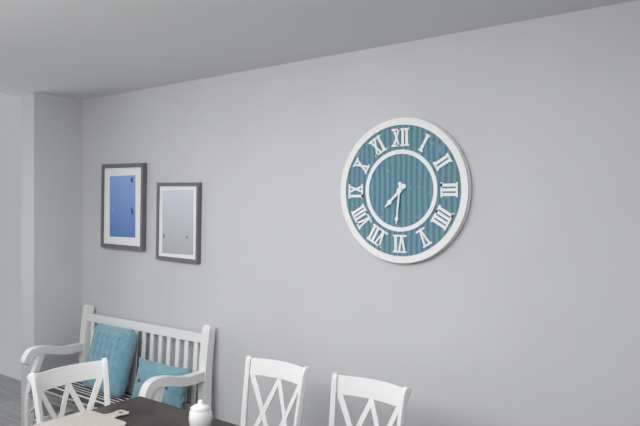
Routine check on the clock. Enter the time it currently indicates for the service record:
7:31
